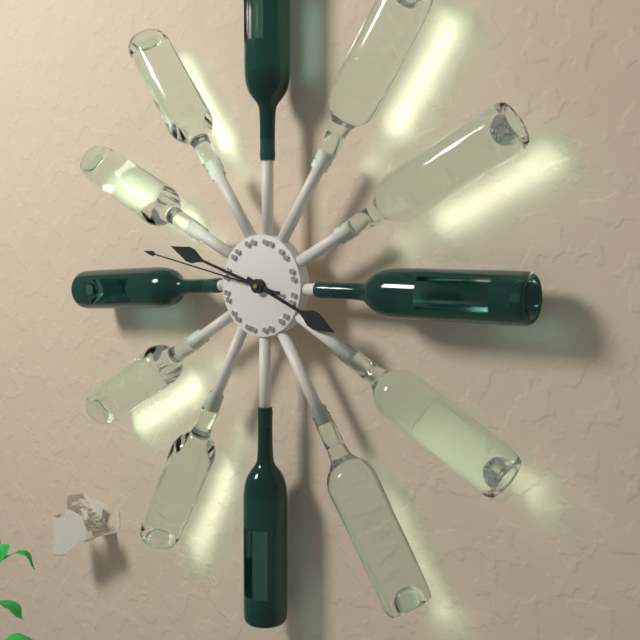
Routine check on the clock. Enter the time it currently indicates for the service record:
3:48:47
